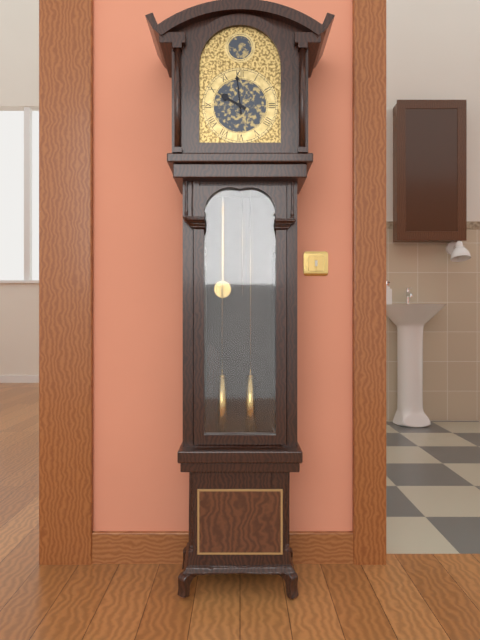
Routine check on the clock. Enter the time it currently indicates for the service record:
9:59
